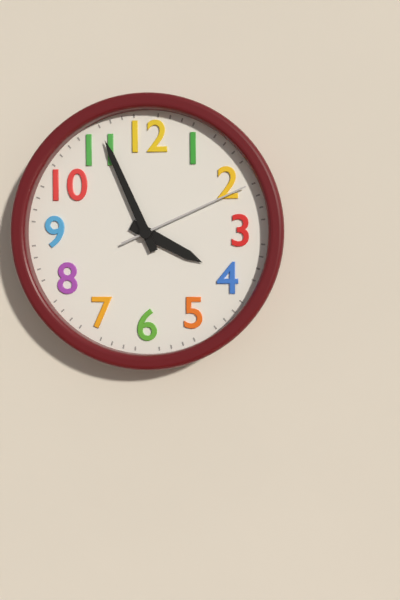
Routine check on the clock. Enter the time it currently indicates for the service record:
3:56:11
